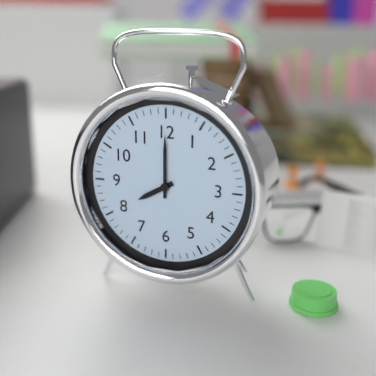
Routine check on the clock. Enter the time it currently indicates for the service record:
8:00
